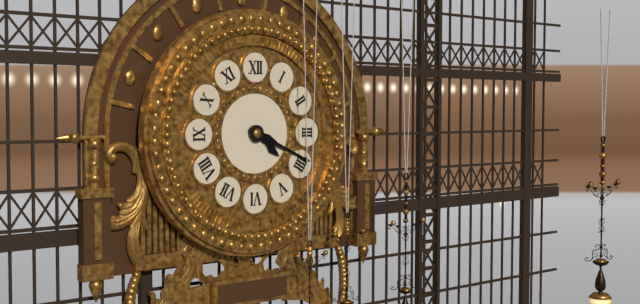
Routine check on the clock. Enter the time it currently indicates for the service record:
4:19
